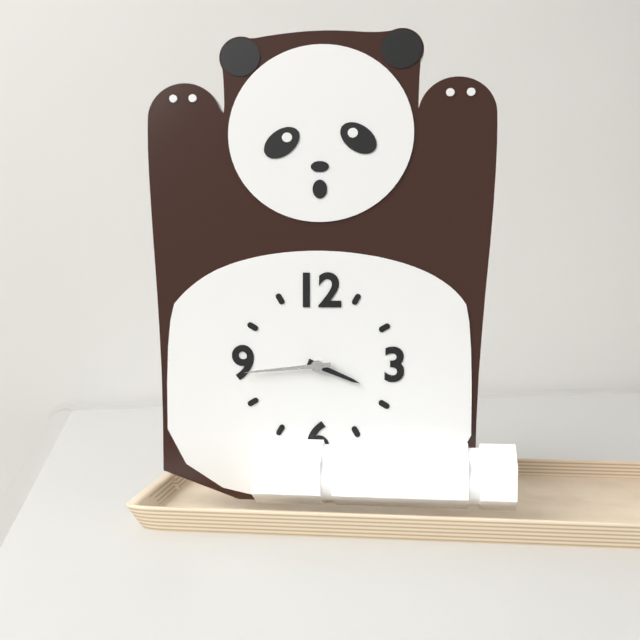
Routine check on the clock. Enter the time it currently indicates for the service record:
3:44
